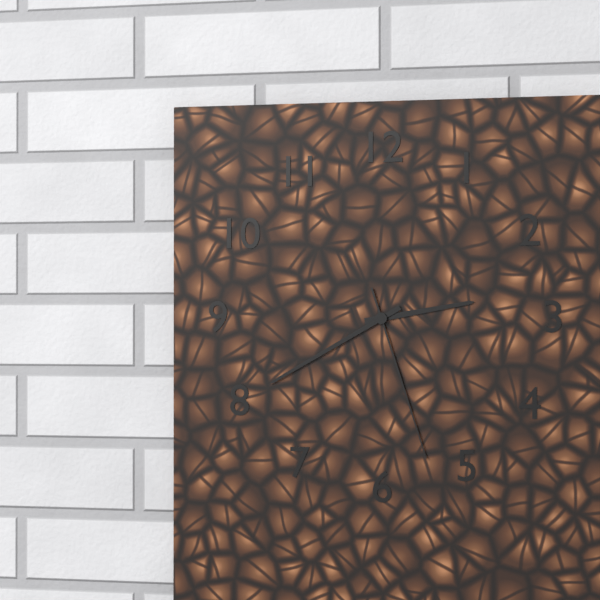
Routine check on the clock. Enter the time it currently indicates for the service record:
2:40:27
